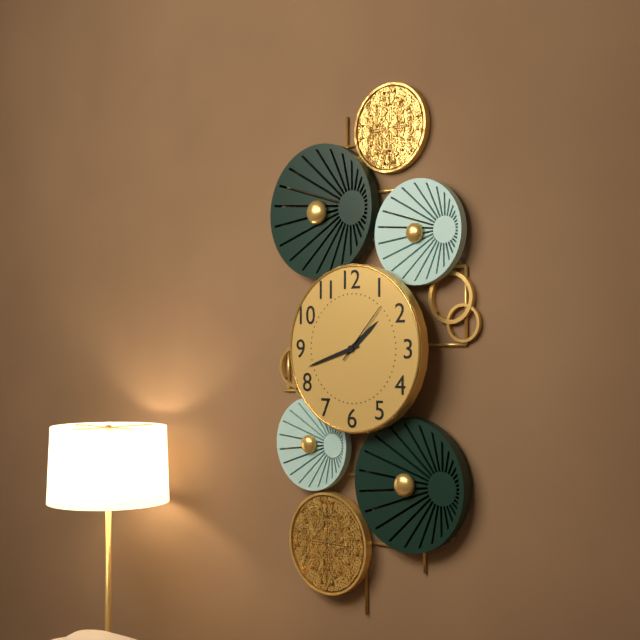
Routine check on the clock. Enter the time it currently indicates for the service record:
1:42:07
